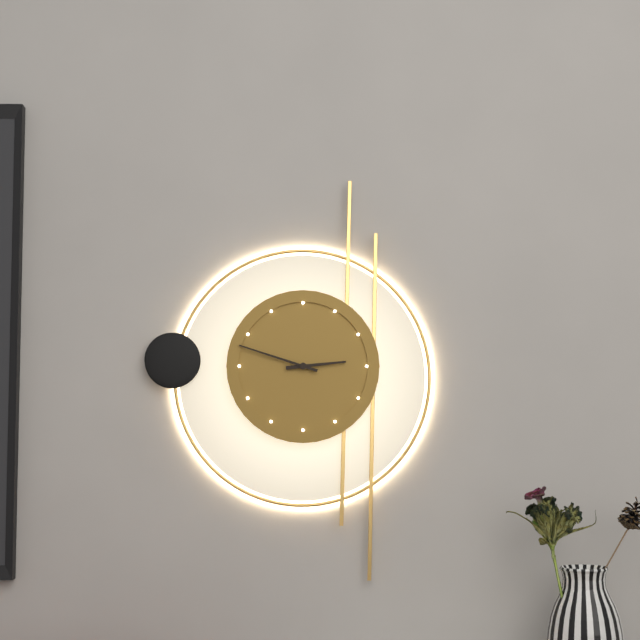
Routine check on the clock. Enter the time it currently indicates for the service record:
2:48
